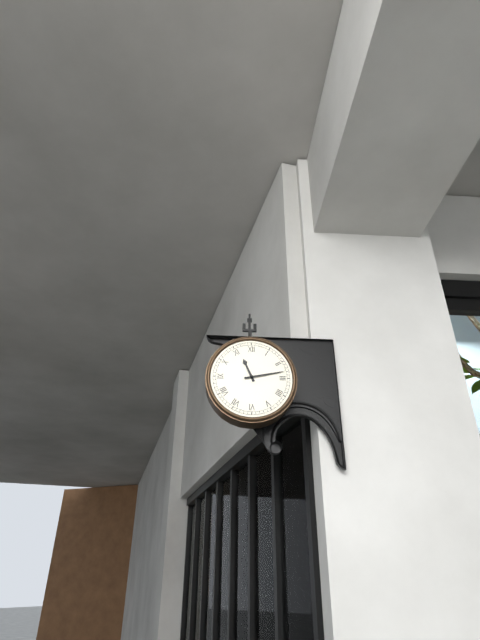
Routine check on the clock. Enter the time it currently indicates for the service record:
11:13
